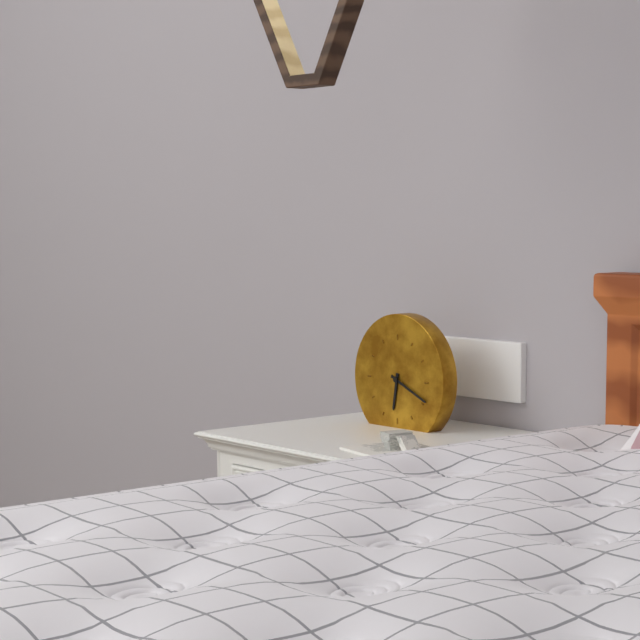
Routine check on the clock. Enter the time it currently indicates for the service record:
6:19
